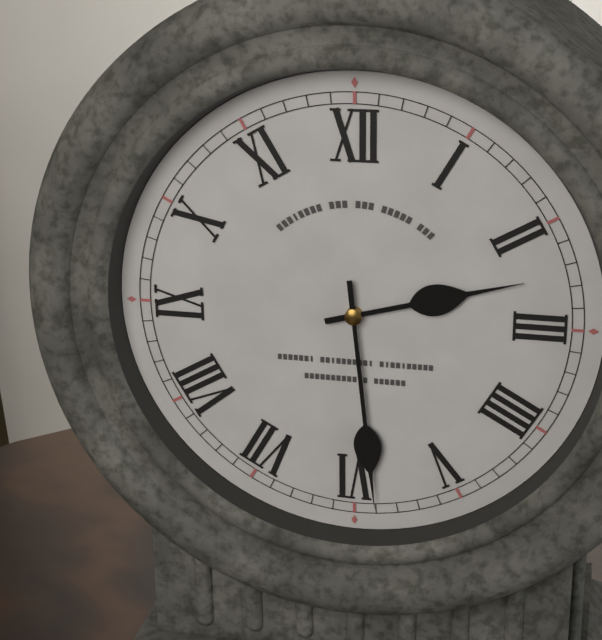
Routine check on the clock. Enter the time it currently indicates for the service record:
2:29
